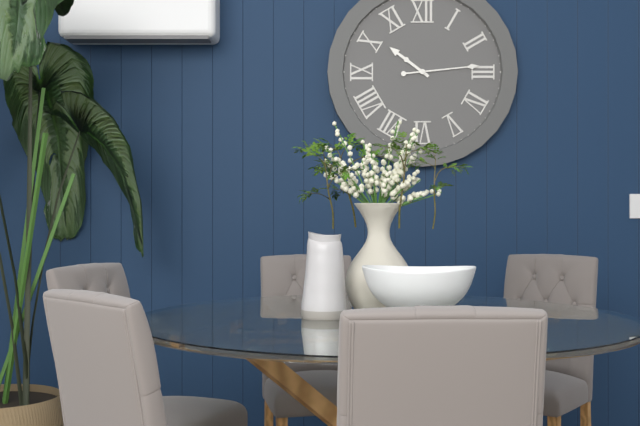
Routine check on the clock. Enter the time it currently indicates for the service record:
10:14
